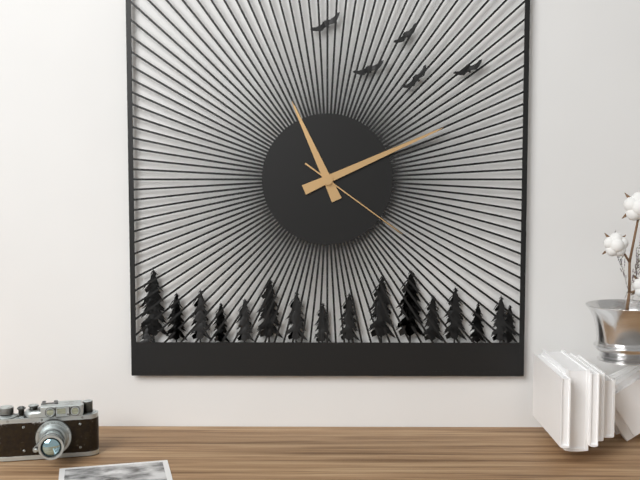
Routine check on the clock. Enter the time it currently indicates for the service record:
11:11:21
